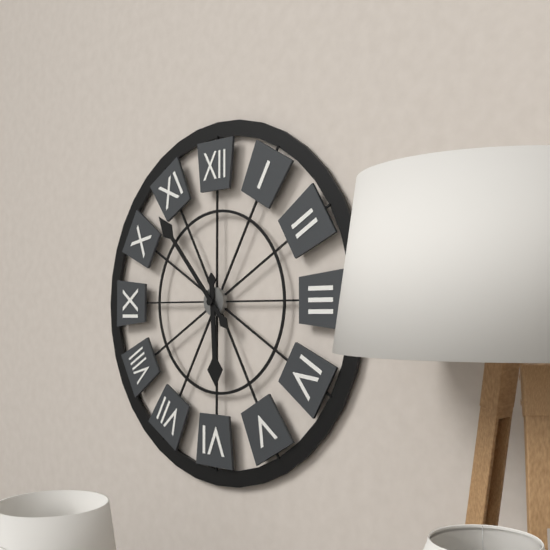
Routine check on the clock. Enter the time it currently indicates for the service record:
5:53
